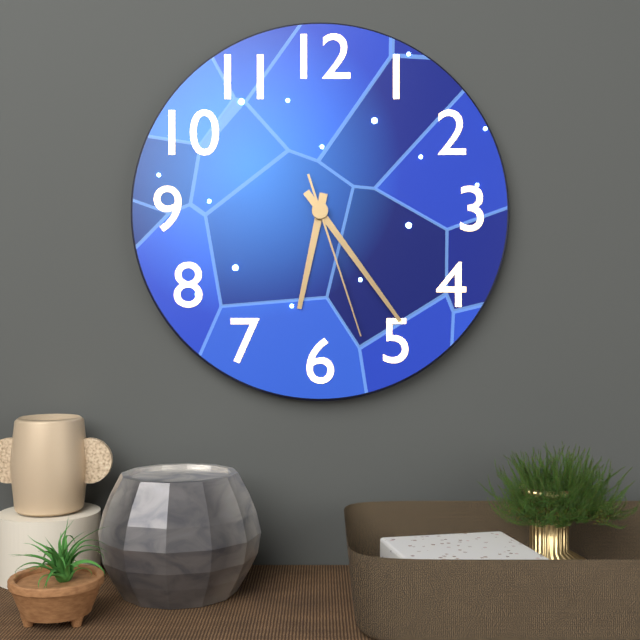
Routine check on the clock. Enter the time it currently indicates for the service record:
6:24:27
